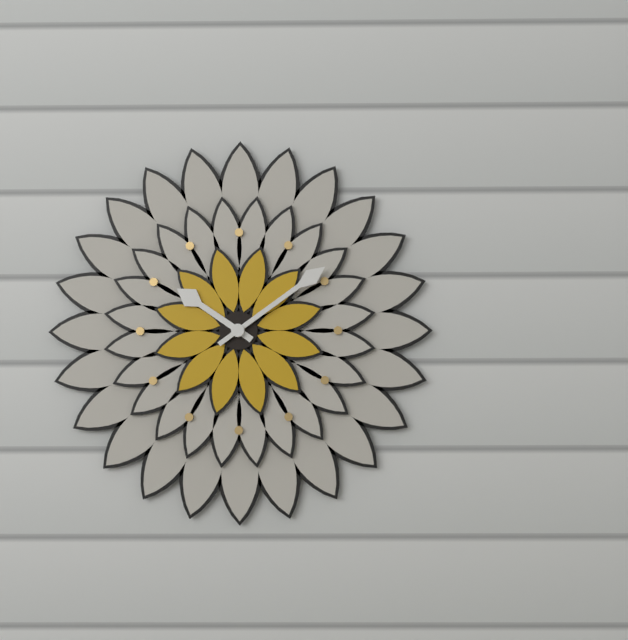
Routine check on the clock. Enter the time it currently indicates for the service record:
10:09
